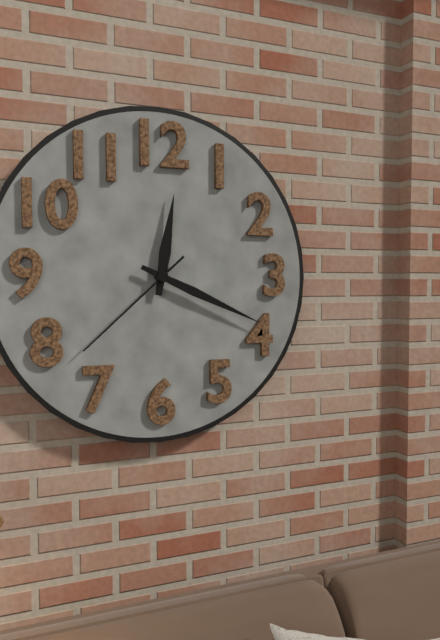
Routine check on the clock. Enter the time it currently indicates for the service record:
12:19:38
